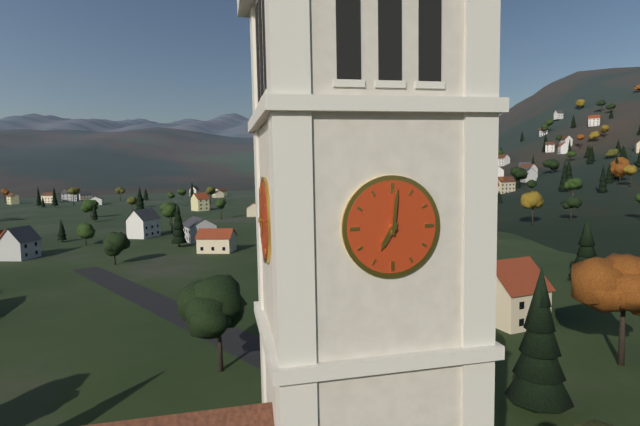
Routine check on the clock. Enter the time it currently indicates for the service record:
7:01
